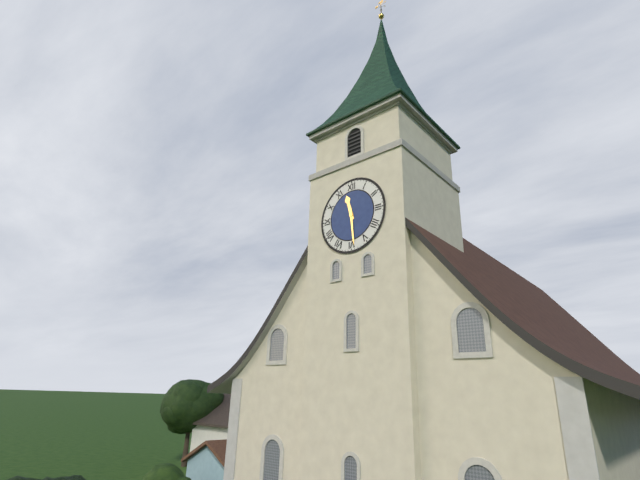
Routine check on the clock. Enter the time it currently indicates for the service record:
11:29
